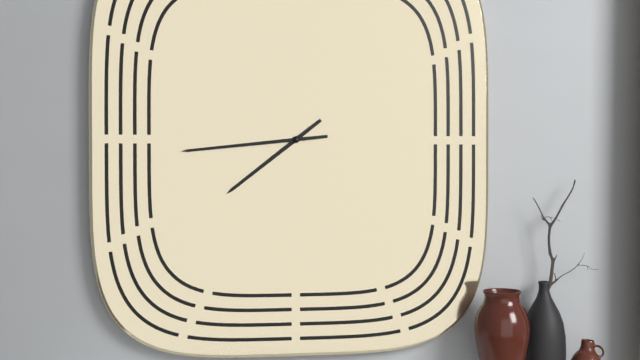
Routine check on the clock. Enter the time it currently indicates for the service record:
7:44
